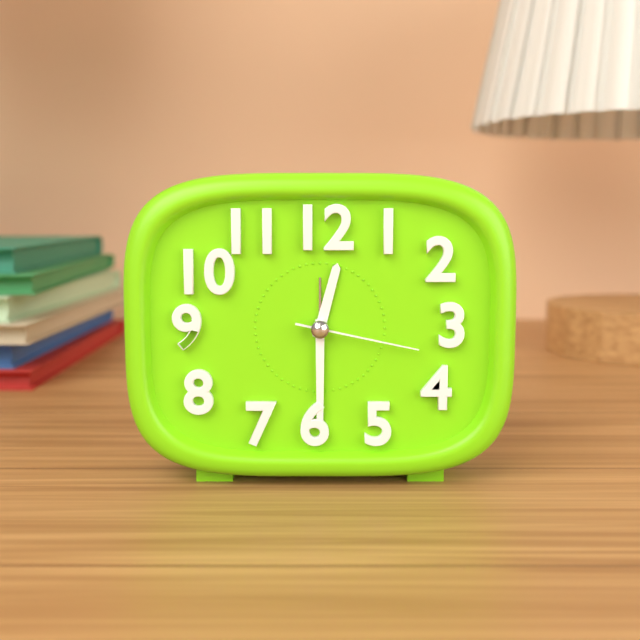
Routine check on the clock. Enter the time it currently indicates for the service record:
12:30:17
